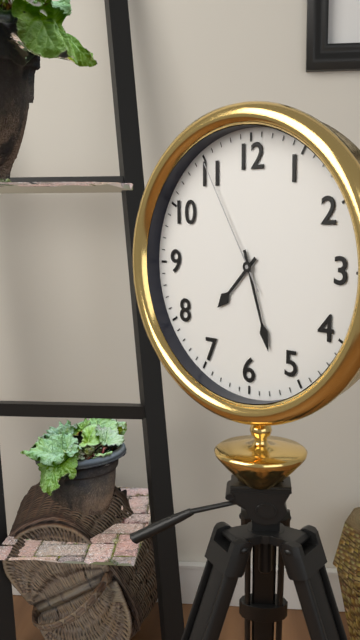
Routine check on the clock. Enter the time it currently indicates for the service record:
7:27:55
